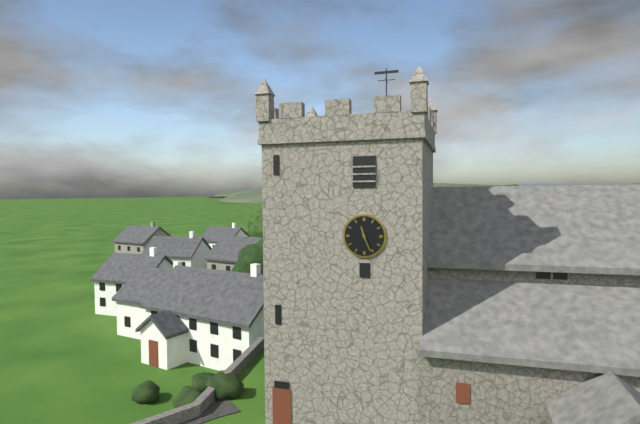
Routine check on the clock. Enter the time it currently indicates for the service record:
11:26
